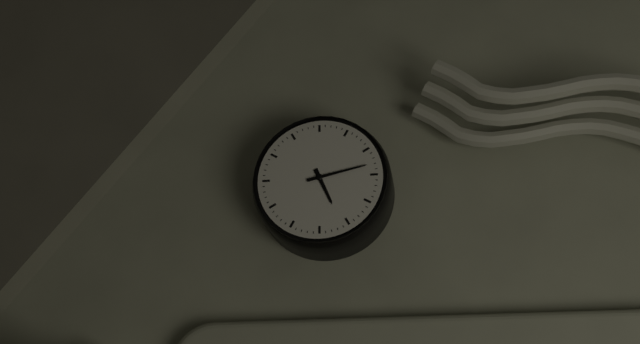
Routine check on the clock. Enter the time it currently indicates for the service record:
5:13
